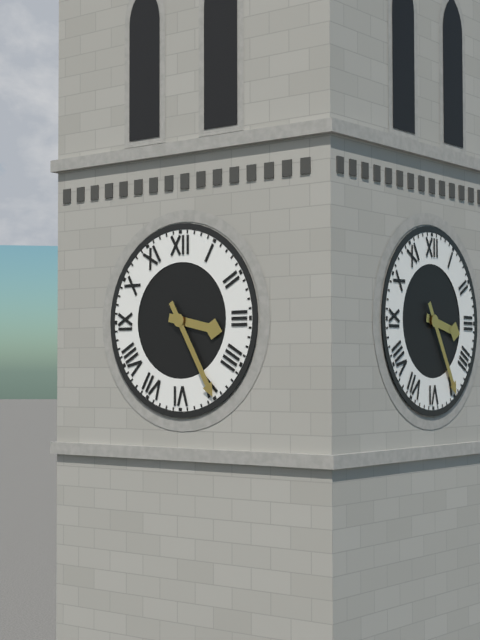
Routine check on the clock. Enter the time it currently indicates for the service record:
3:25
